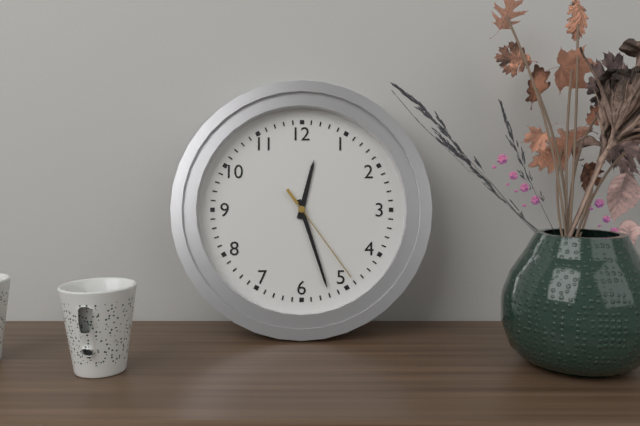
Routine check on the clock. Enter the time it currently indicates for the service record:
12:27:24
